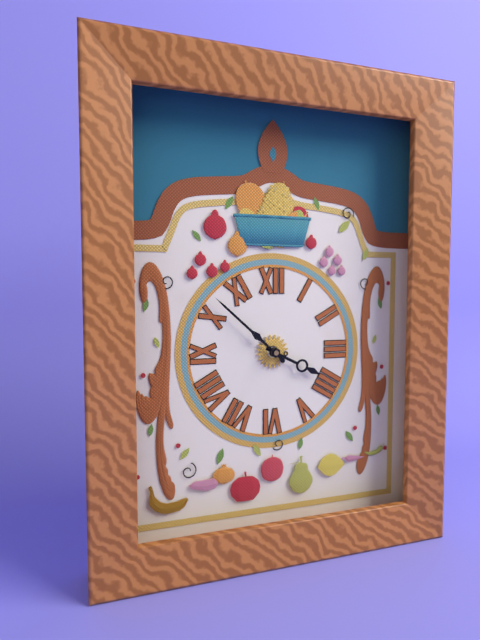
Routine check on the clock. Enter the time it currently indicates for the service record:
3:52
